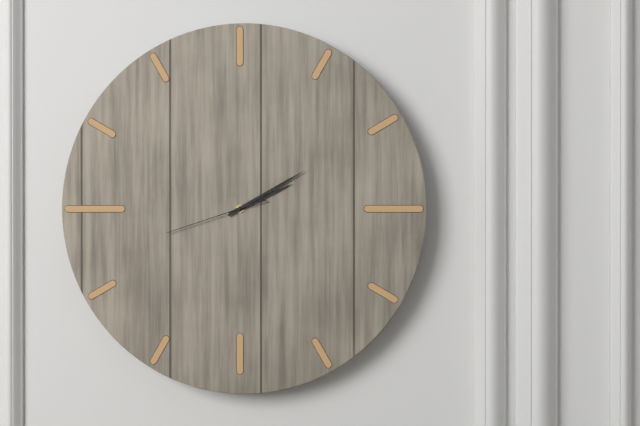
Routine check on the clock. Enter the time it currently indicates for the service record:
2:10:42
